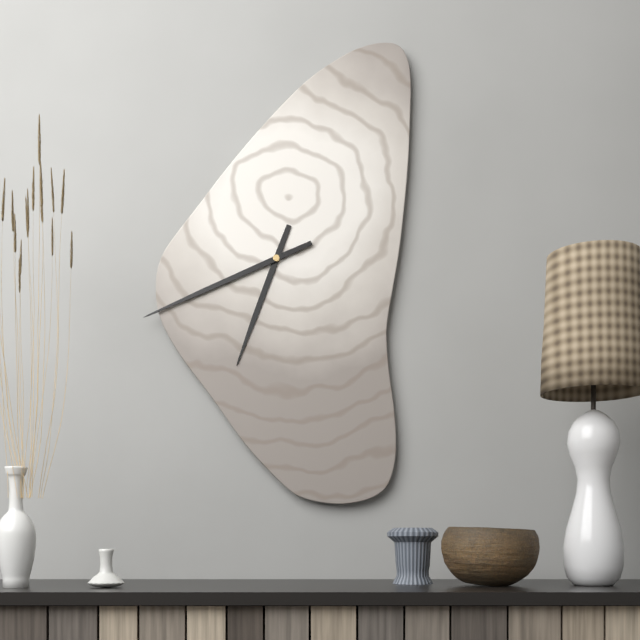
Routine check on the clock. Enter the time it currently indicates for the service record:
6:41
